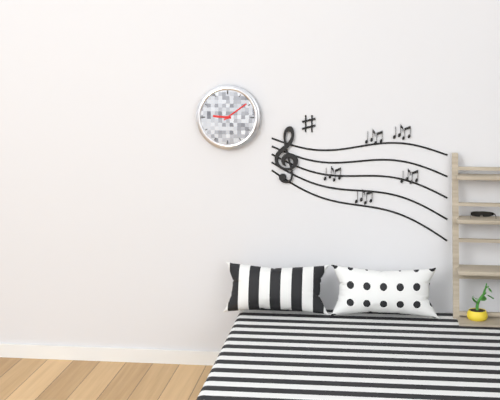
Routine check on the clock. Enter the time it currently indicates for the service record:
9:09
